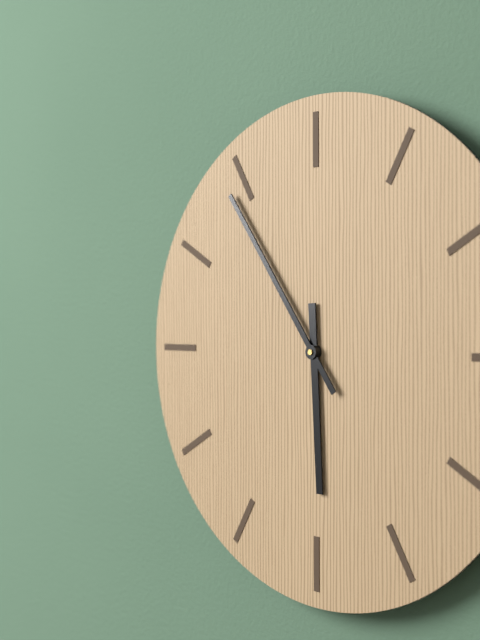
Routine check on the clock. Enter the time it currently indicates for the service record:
5:54
